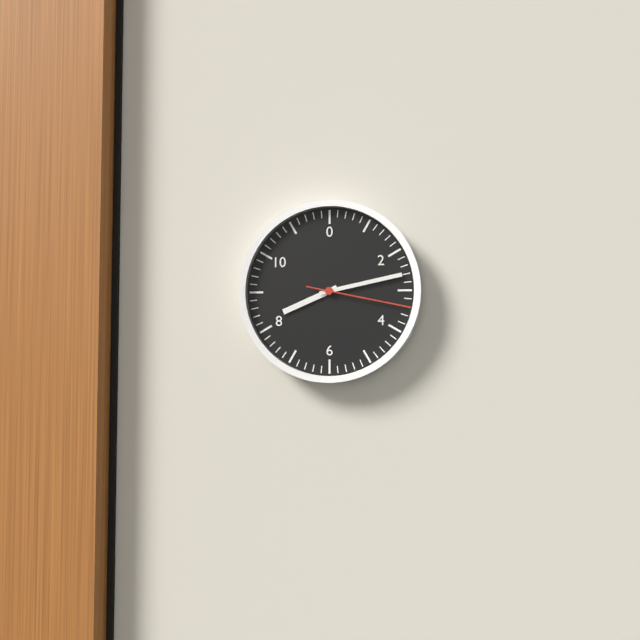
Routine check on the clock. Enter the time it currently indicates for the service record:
8:13:17
